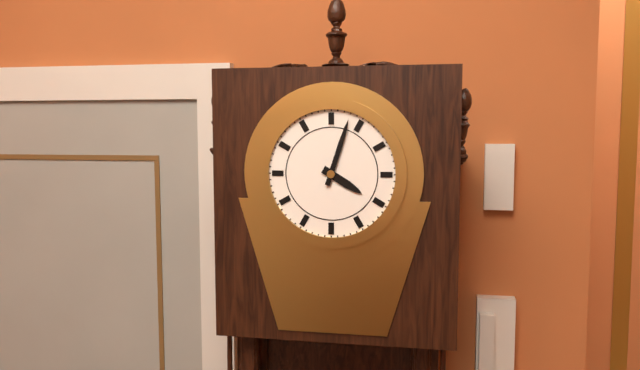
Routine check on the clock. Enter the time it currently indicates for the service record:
4:03
